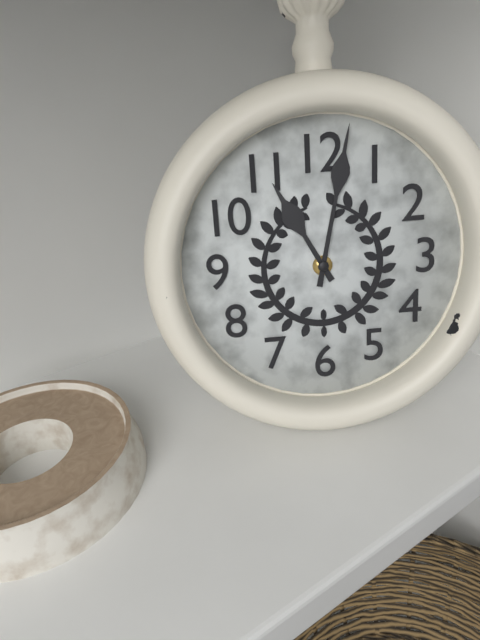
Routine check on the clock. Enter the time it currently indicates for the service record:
11:02
